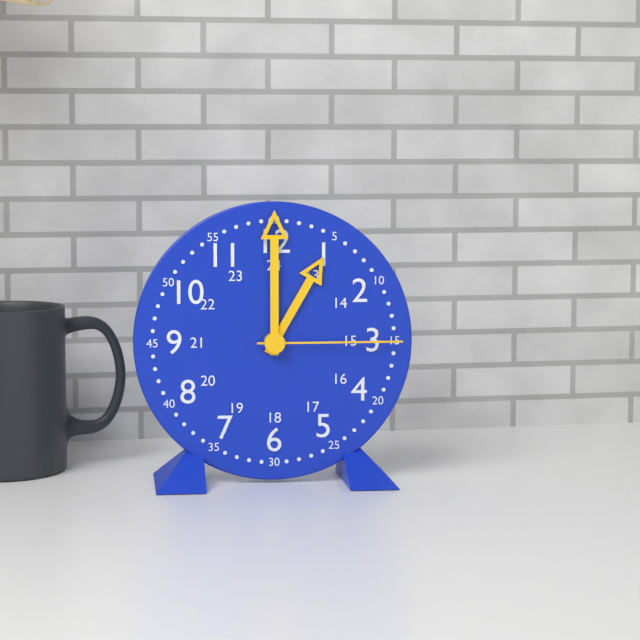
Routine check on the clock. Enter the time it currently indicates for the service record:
1:00:15
